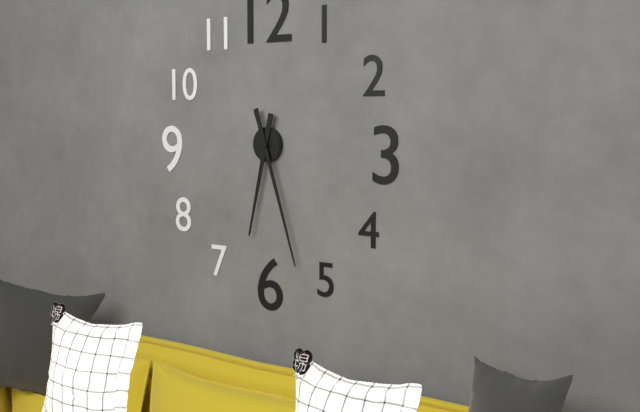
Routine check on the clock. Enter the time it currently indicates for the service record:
6:27
